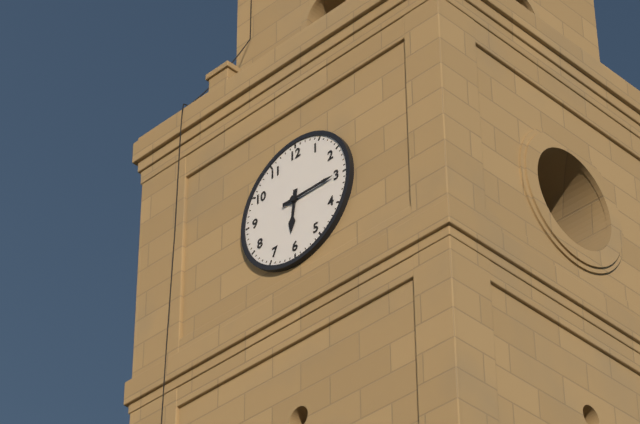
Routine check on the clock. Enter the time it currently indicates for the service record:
6:15
